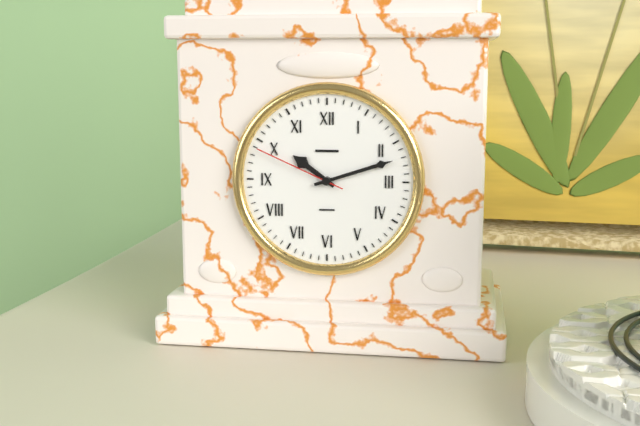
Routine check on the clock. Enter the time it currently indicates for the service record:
10:12:49
